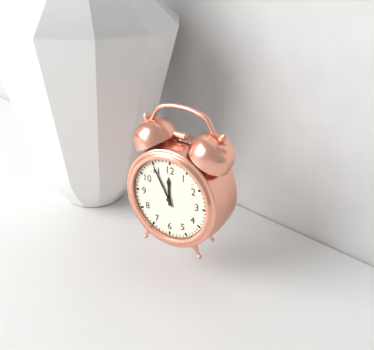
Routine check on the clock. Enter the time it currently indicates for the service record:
11:55
